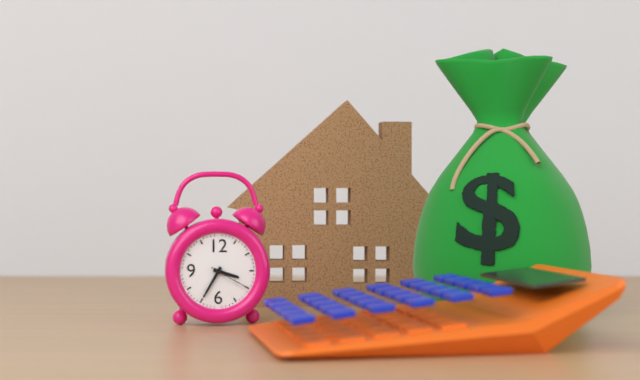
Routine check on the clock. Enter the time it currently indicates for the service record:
3:35
